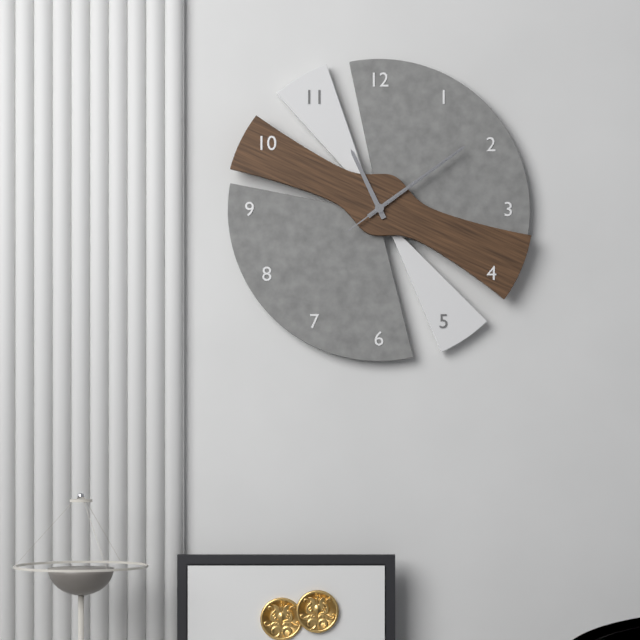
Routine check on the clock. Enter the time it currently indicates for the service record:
11:09:09
